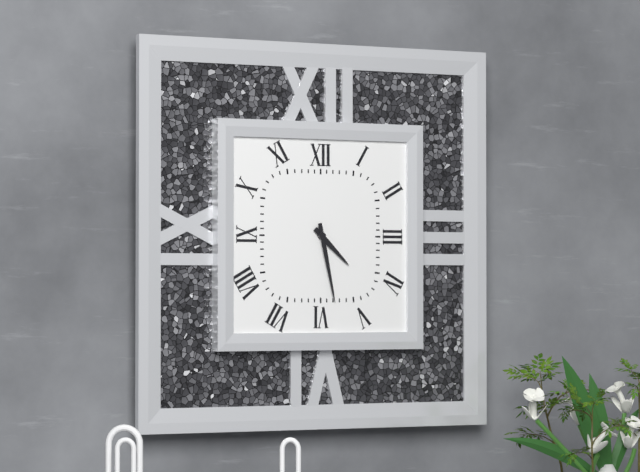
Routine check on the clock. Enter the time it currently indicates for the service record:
4:28
